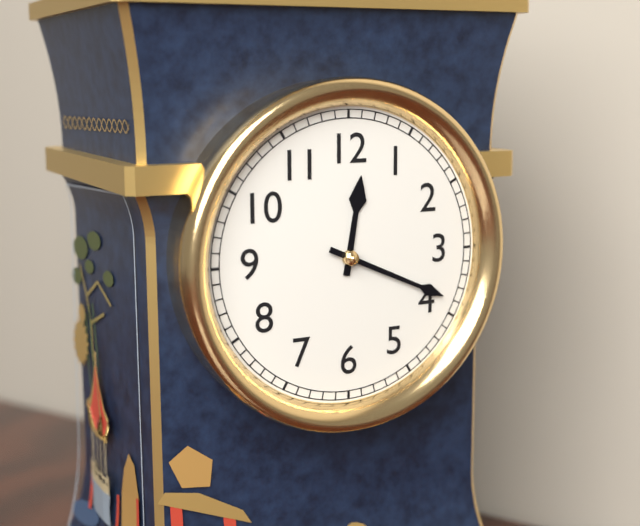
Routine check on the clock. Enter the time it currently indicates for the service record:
12:19
